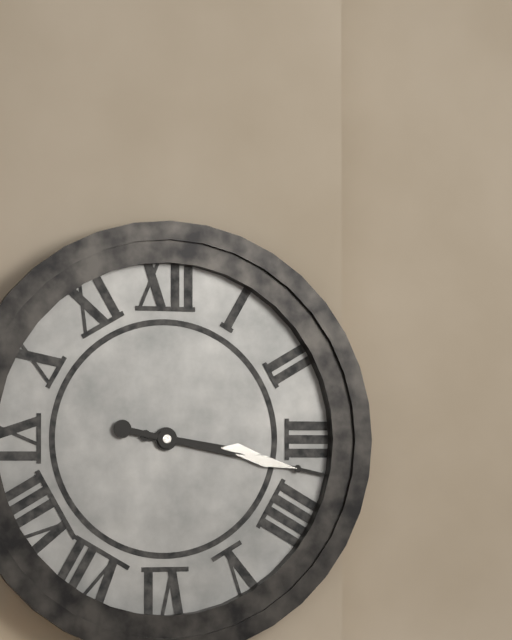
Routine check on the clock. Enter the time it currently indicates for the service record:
3:17
